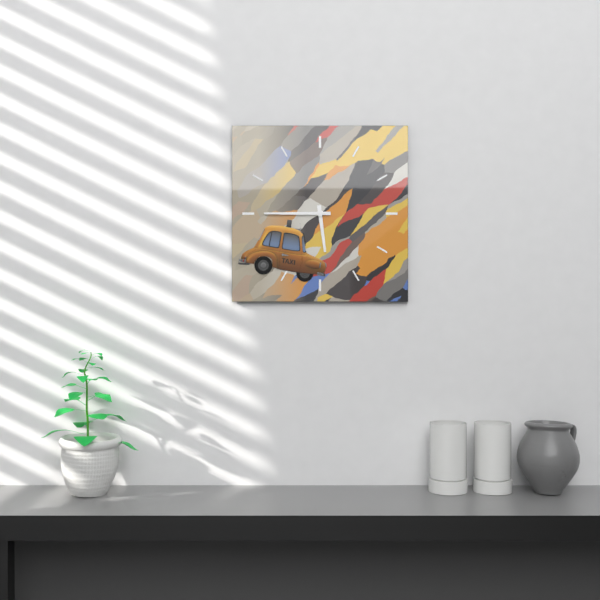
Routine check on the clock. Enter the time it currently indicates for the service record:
5:45
